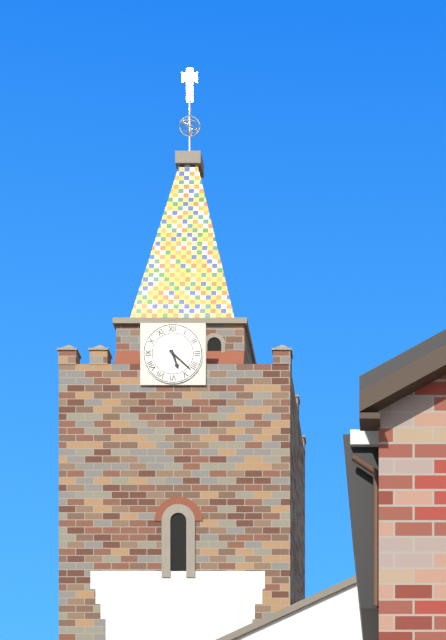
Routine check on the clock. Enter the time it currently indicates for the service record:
5:22
